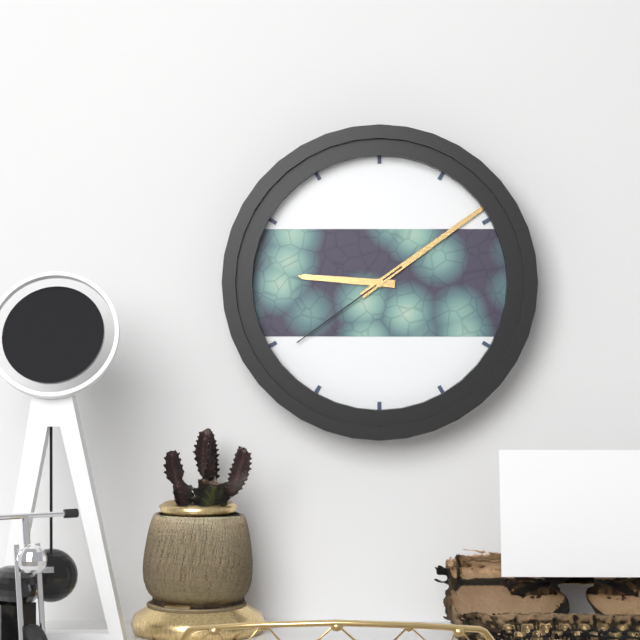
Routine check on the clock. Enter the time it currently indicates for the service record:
9:09:39
